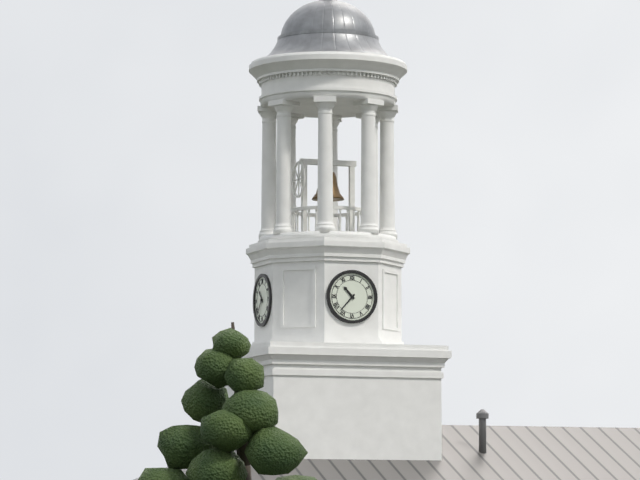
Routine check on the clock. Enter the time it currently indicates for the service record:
10:37
